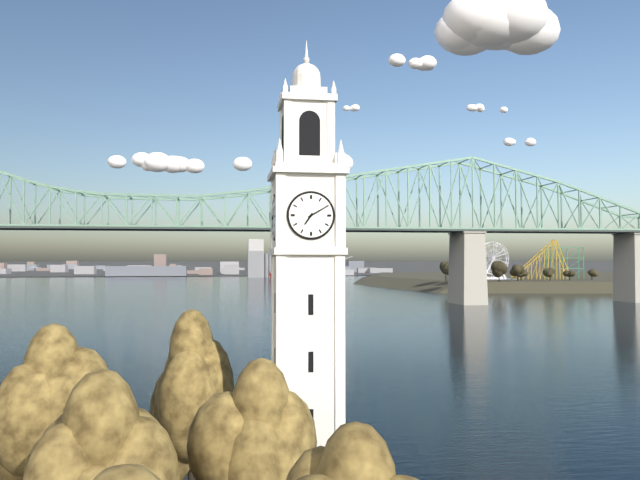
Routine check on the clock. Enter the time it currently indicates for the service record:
7:10
